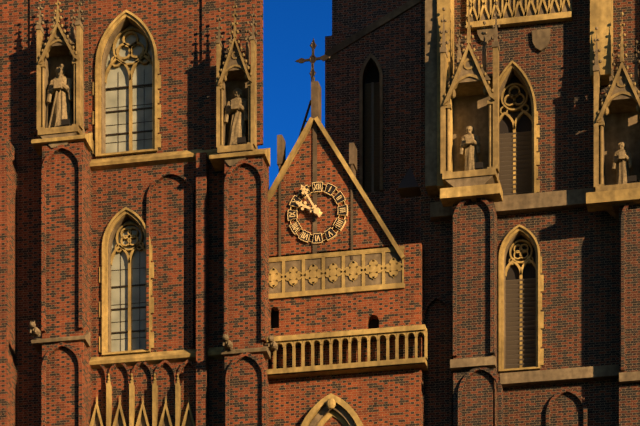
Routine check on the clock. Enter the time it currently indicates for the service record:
9:55
